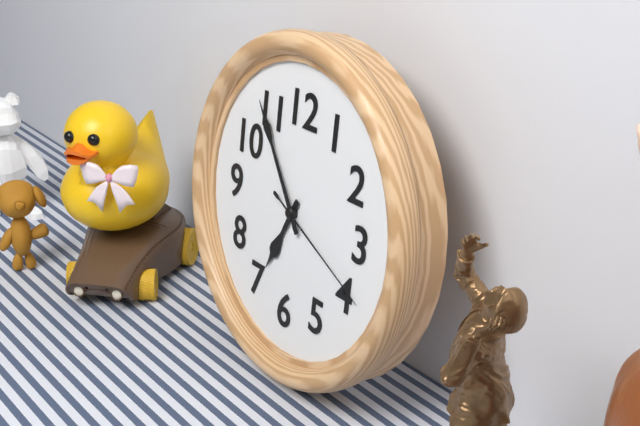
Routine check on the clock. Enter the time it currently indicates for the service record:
6:54:19
